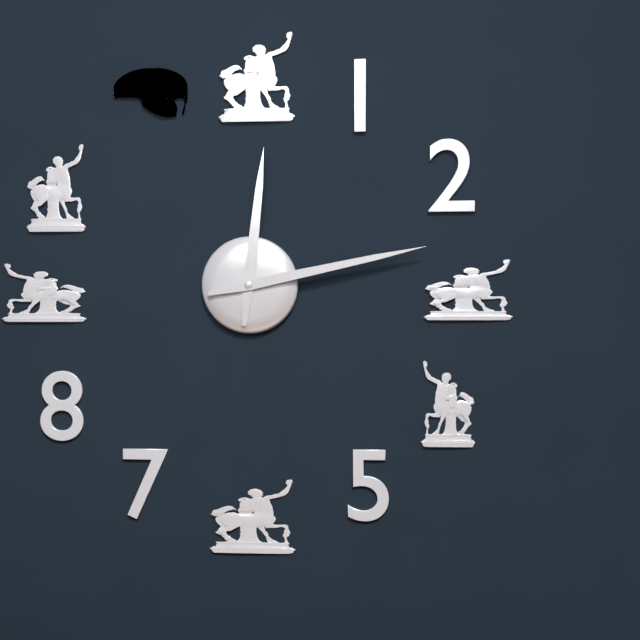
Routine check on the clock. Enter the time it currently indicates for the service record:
12:13
